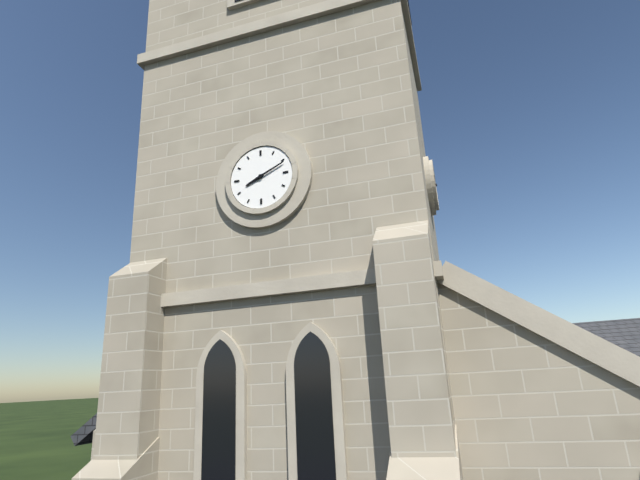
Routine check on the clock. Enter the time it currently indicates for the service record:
8:11
